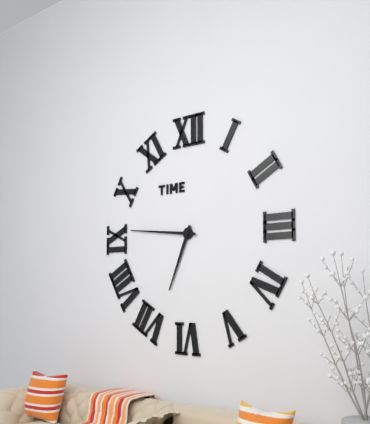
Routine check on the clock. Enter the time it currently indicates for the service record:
6:46
